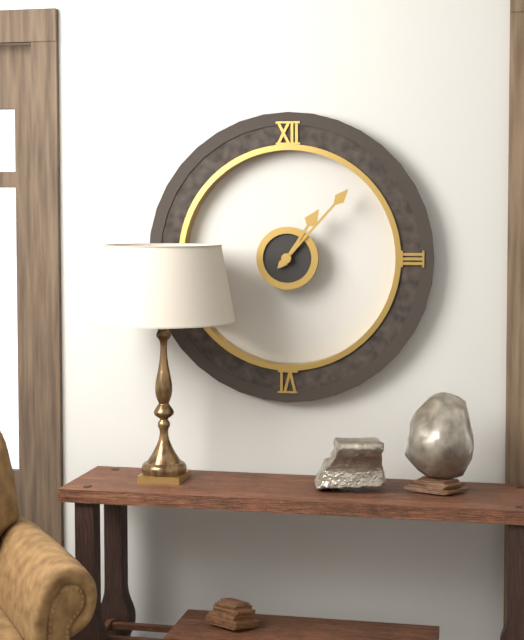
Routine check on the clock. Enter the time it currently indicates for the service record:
1:07
